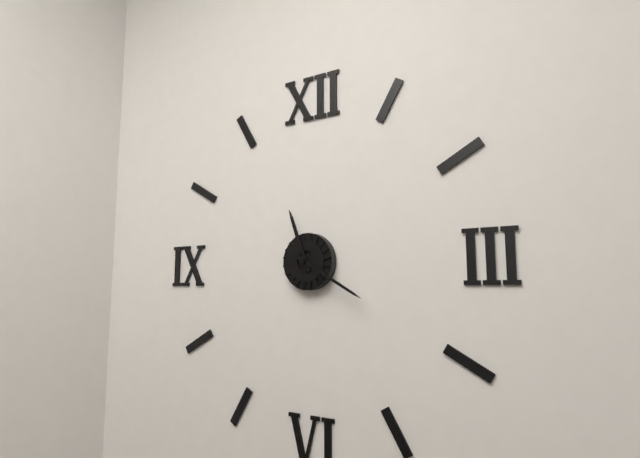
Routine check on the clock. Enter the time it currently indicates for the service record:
11:20
